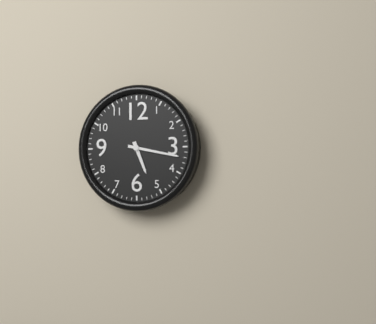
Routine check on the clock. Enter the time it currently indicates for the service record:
5:17
